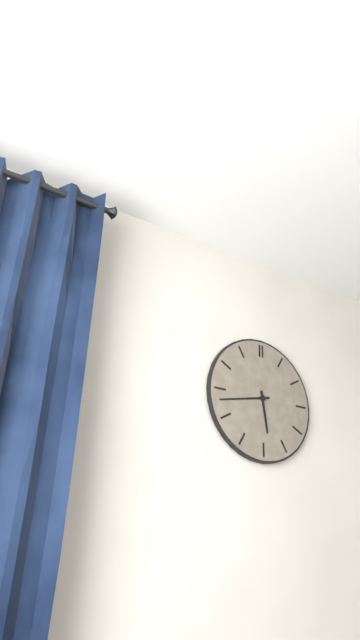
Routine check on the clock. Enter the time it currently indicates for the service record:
5:43
